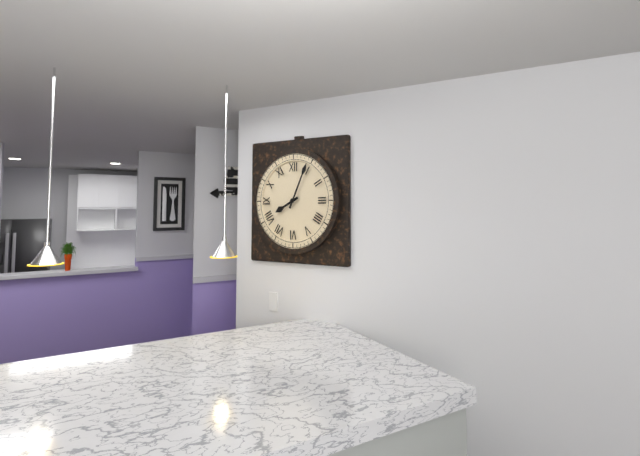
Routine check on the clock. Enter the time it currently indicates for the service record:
8:04
